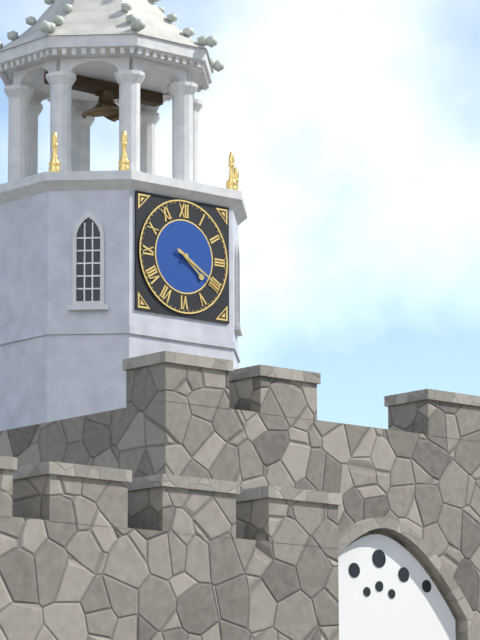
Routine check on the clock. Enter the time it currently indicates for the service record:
4:20
